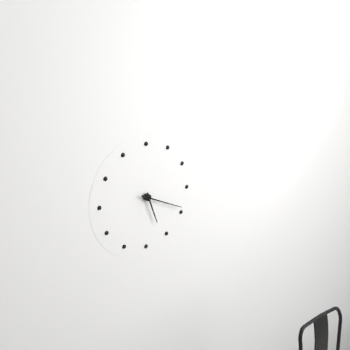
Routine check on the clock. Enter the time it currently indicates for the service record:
5:19
